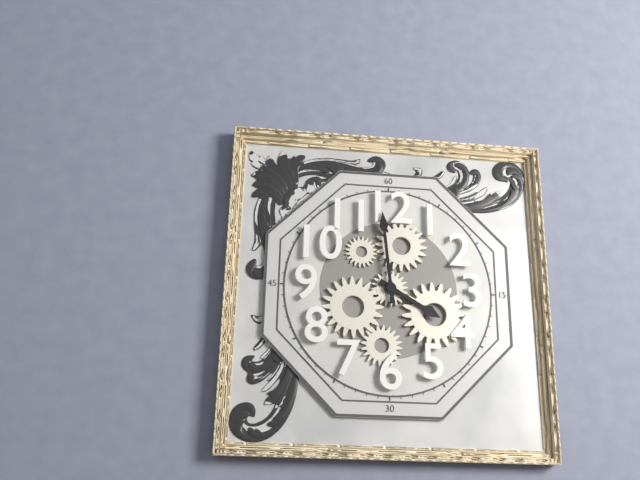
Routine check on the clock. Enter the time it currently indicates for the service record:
3:59
